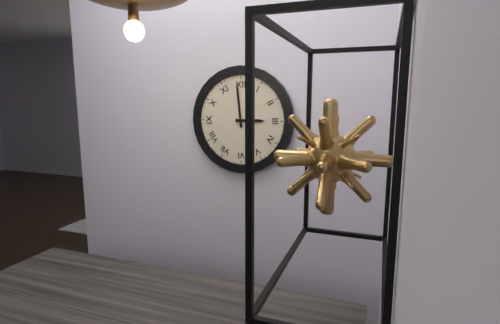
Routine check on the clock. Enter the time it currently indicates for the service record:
2:59
